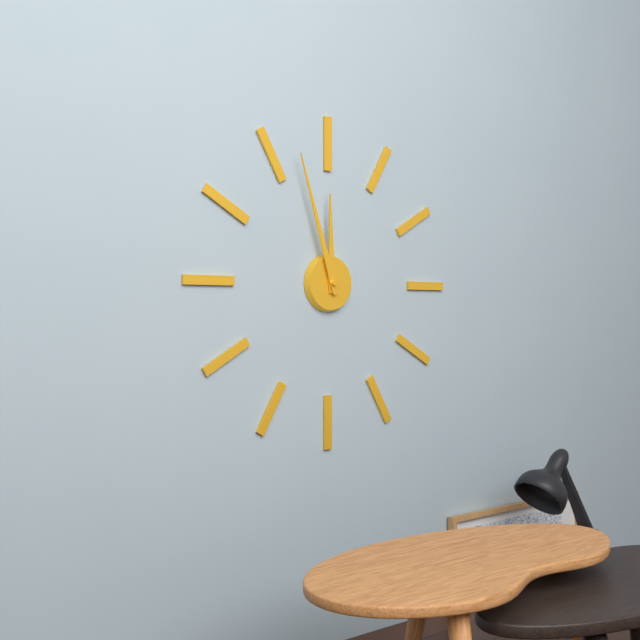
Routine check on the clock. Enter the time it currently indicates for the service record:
11:57
